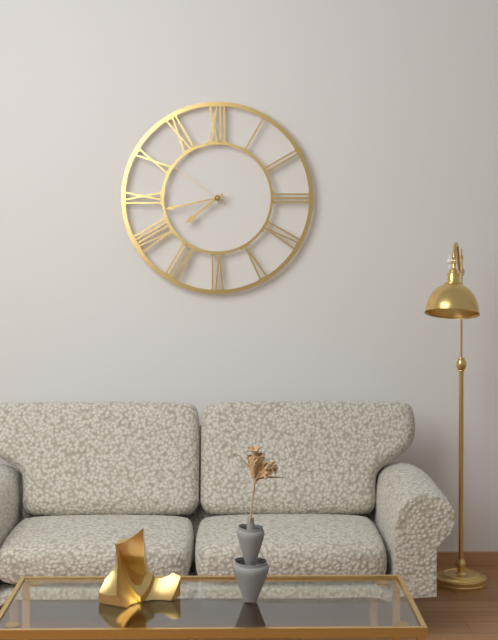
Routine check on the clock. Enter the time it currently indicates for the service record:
7:43:51
